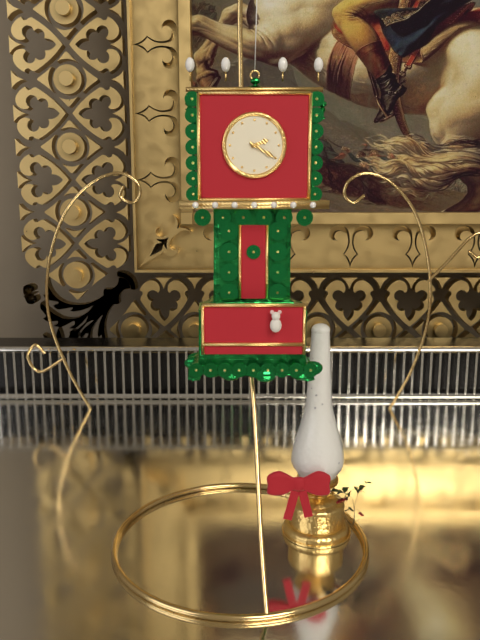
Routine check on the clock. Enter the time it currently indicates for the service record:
2:20
